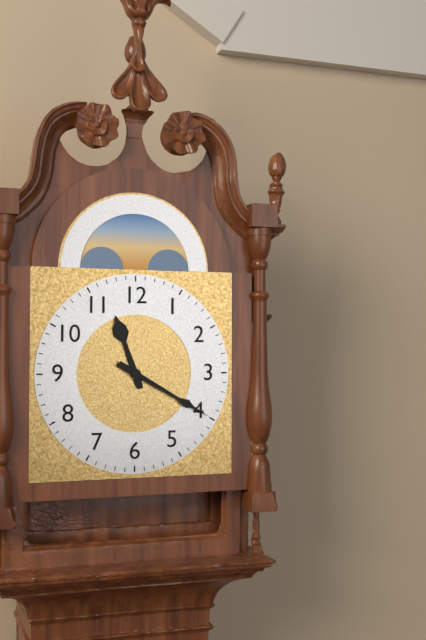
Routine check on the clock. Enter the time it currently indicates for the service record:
11:20
